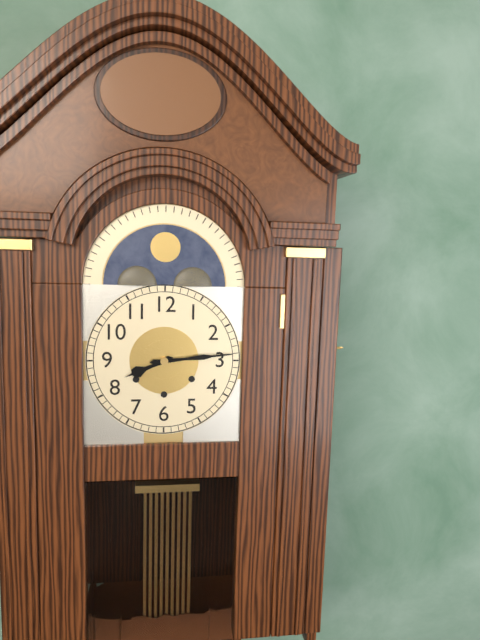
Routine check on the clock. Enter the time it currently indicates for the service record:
8:14
